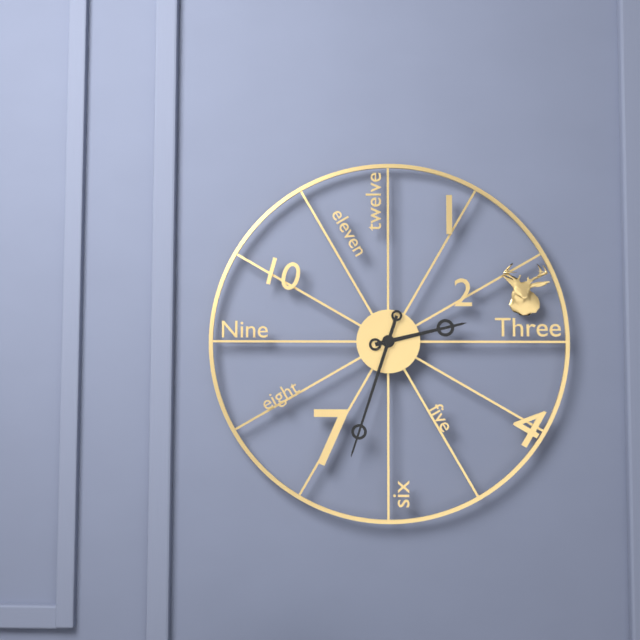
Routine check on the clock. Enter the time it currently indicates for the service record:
2:33
